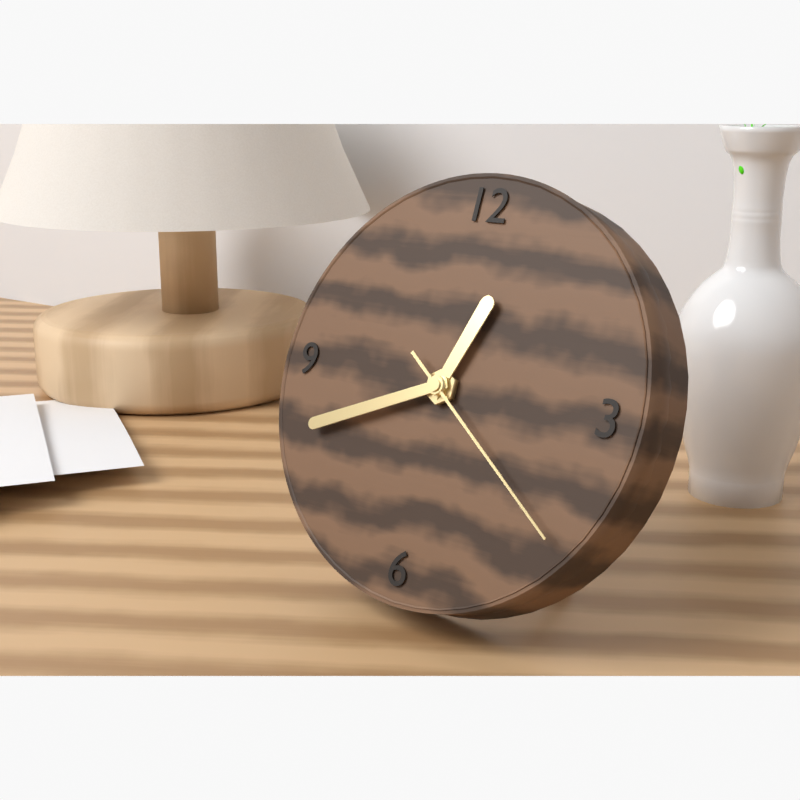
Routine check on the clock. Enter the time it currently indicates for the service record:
12:41:21
